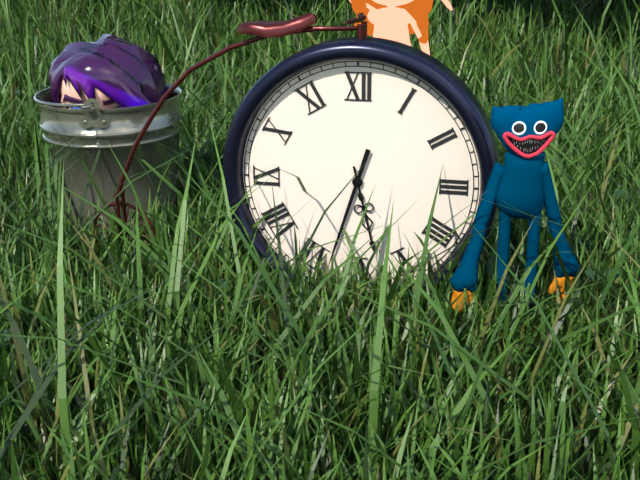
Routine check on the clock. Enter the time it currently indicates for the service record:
5:33
